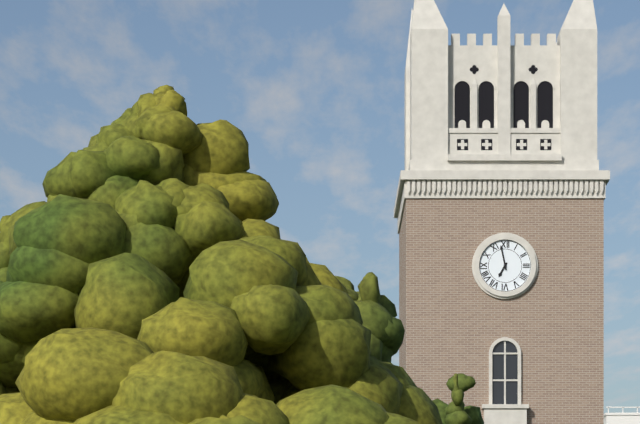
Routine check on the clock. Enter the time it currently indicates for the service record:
6:58
